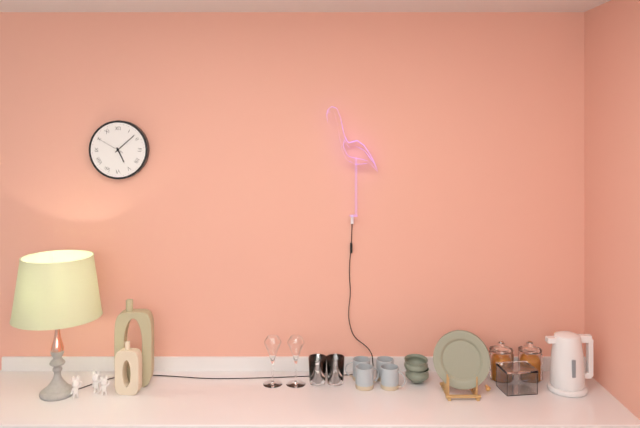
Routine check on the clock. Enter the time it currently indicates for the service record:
5:08
